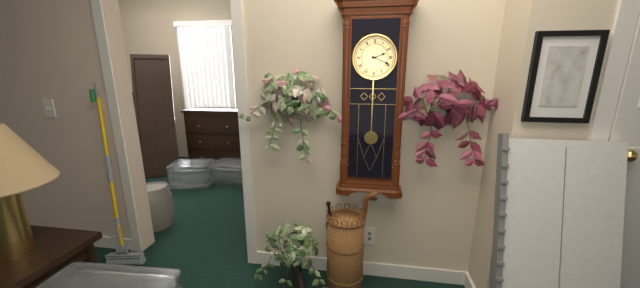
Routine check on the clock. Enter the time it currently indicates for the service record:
2:19
